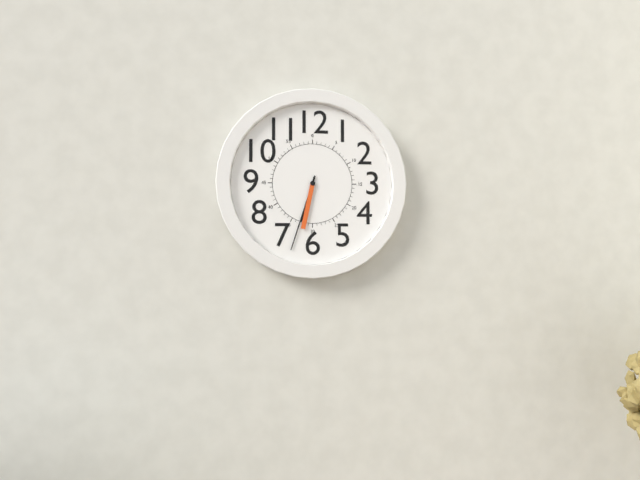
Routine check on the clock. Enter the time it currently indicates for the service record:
6:33:32
